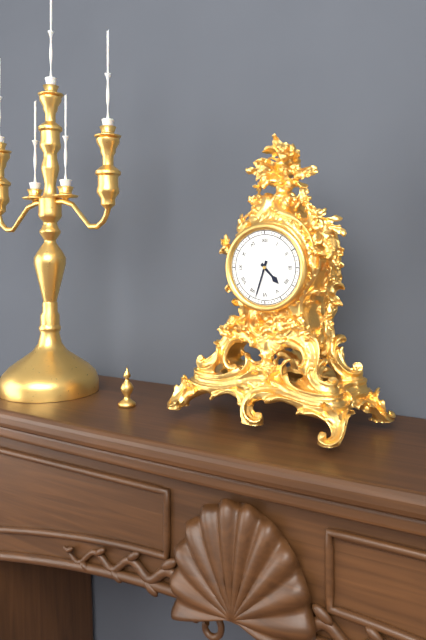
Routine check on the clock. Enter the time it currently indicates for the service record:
4:33
